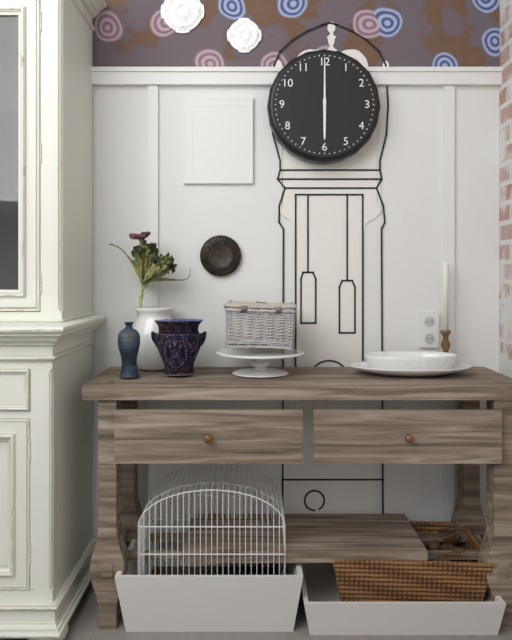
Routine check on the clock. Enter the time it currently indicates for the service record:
6:00
